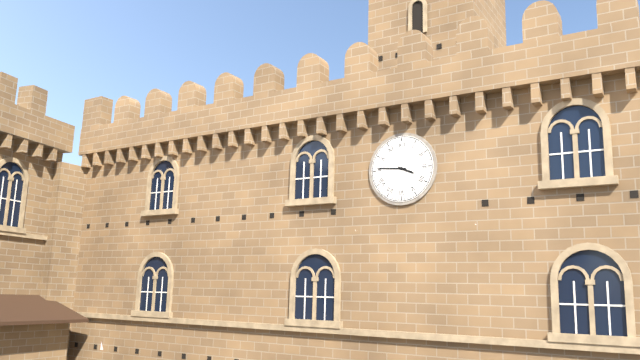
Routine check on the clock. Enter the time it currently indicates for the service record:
3:46
